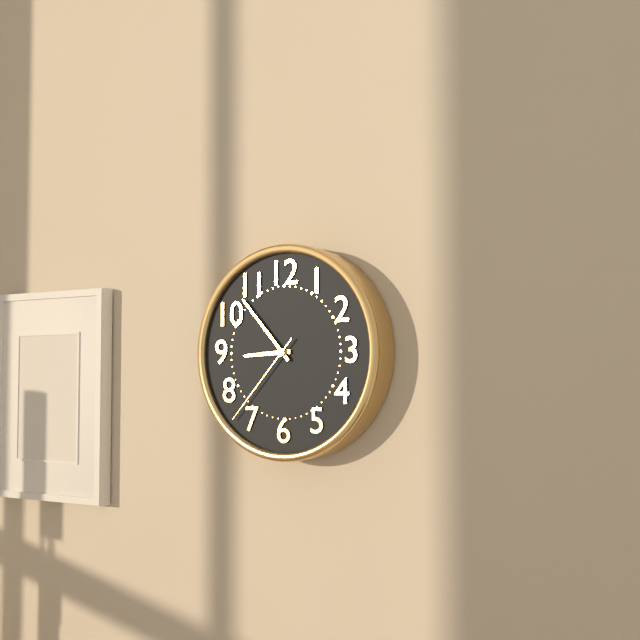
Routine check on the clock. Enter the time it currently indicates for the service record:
8:53:37
